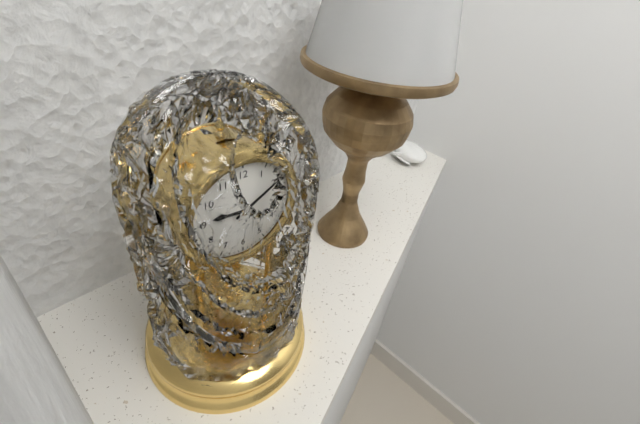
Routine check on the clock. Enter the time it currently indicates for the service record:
9:10
